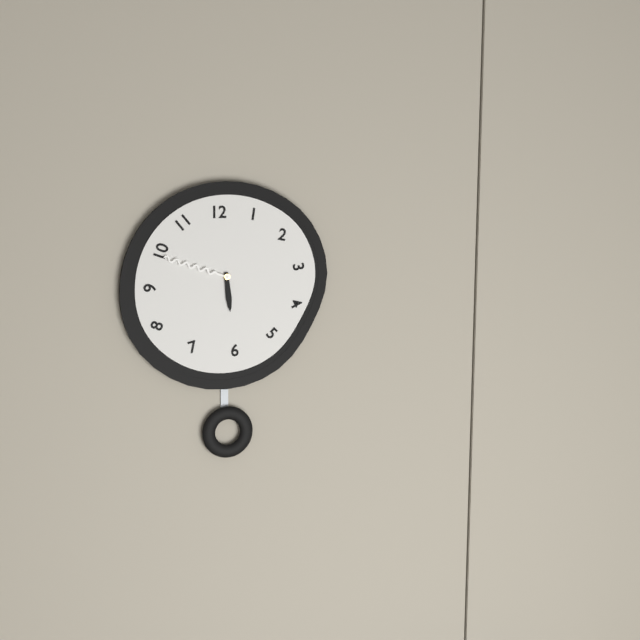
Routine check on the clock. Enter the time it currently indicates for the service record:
5:48
